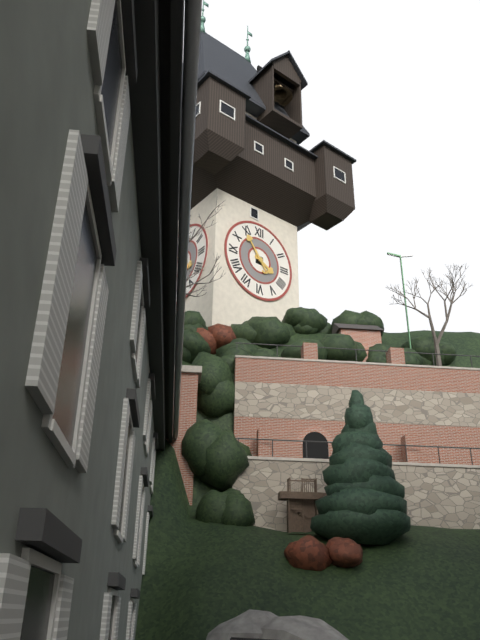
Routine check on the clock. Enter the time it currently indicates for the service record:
3:54
